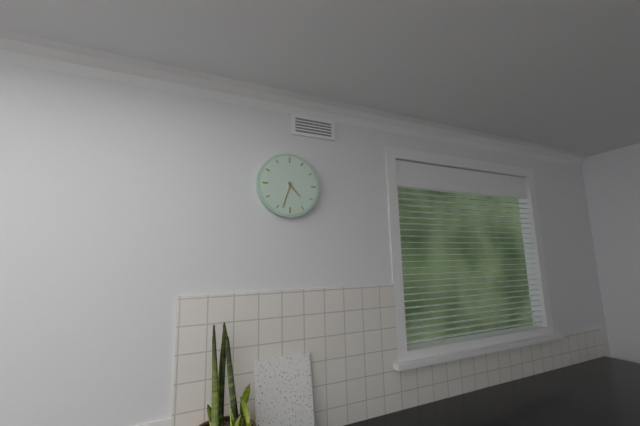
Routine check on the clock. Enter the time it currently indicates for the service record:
4:33
